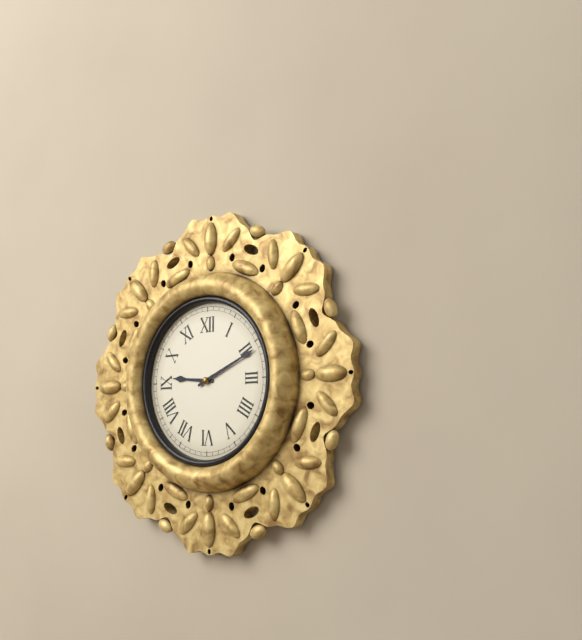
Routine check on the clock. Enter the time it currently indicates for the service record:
9:11
